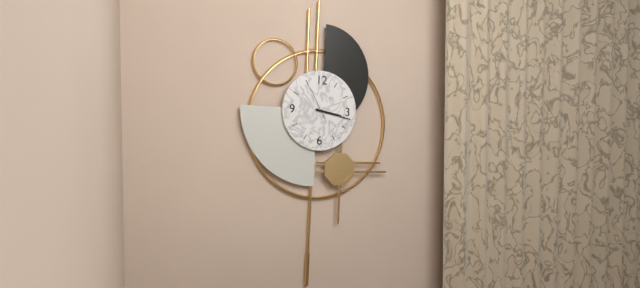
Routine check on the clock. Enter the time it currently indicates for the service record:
3:17
